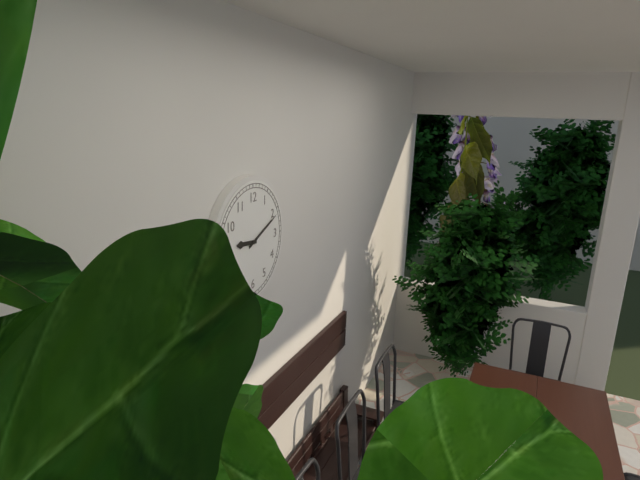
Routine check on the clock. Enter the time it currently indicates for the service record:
9:11
